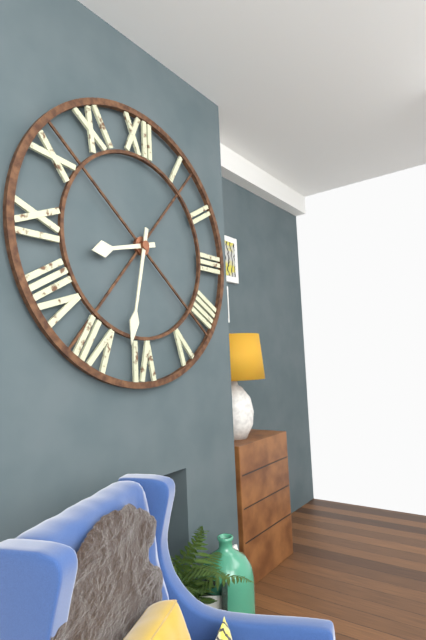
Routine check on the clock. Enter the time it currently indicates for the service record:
8:32
